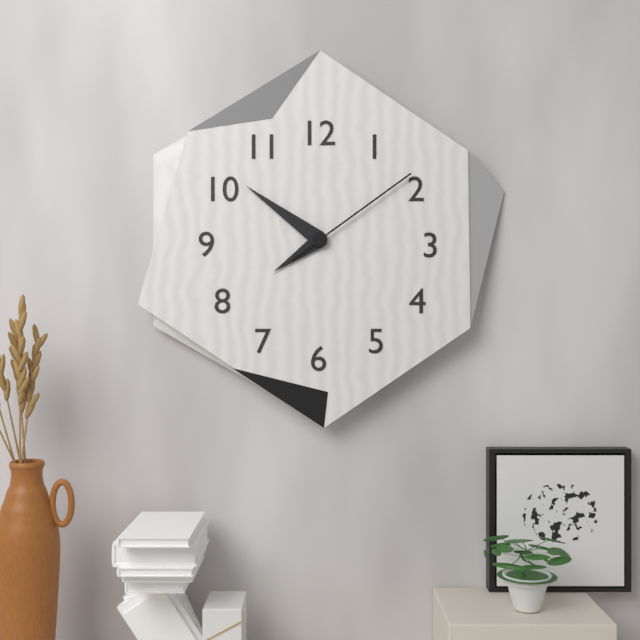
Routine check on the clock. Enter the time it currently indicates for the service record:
7:51:09
